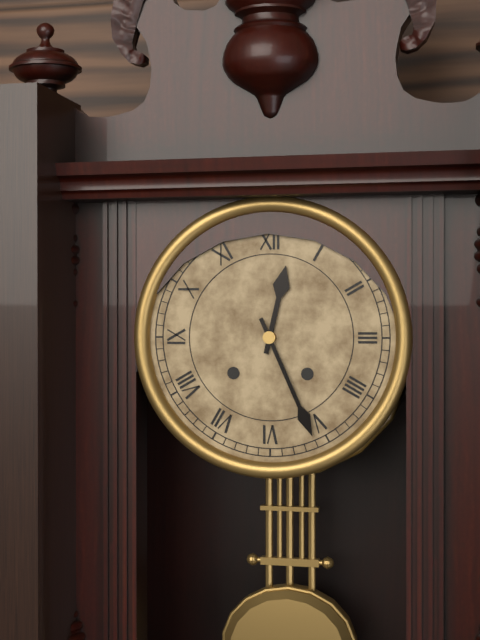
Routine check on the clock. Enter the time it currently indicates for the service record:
12:26
